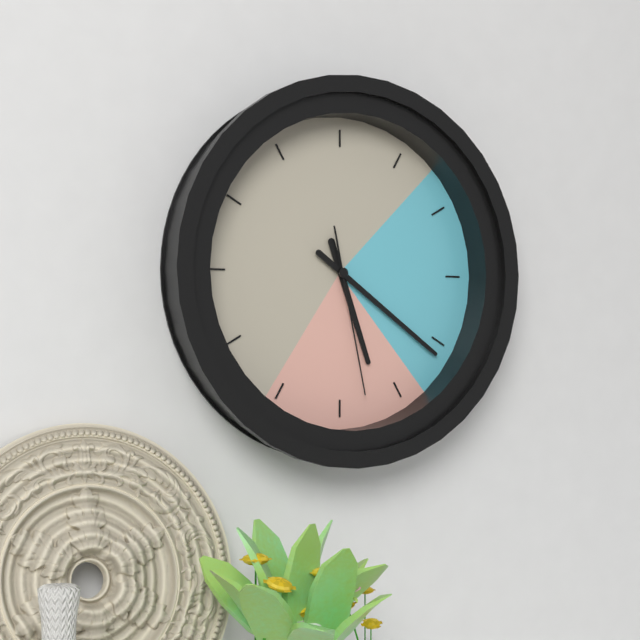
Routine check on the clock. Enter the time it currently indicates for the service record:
5:21:28
